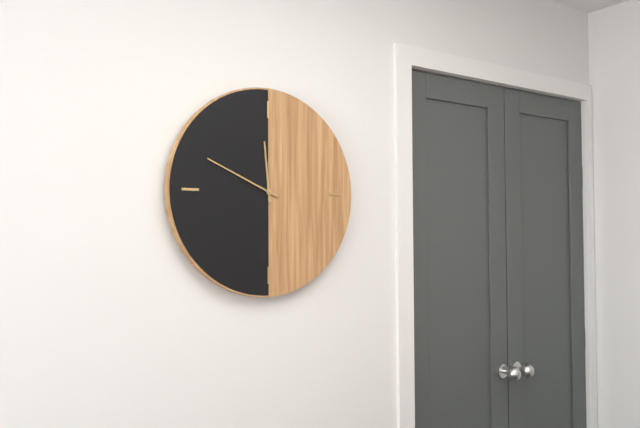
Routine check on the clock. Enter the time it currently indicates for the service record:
11:49
